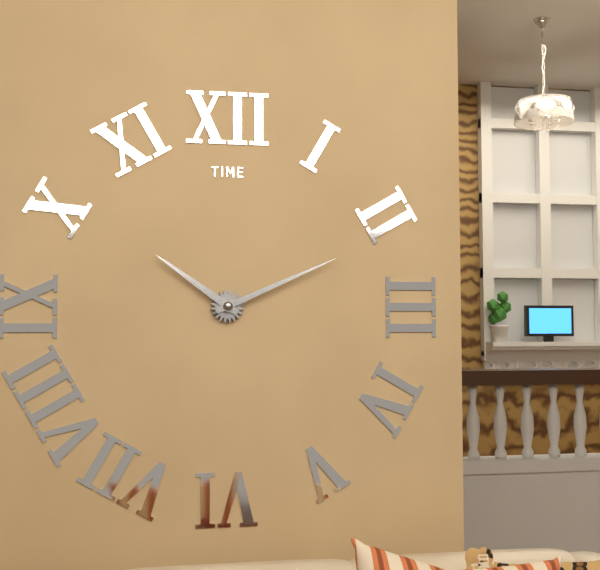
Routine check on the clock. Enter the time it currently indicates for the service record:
10:11
